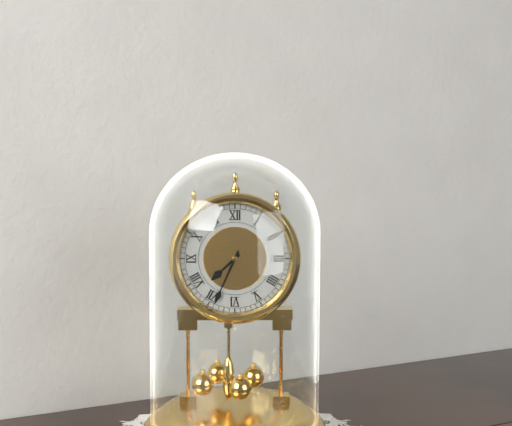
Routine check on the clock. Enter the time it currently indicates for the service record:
7:34
